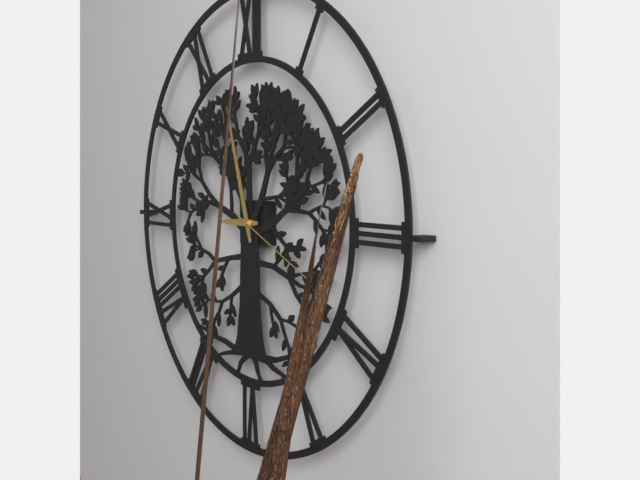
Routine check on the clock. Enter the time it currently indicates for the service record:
8:57:19
